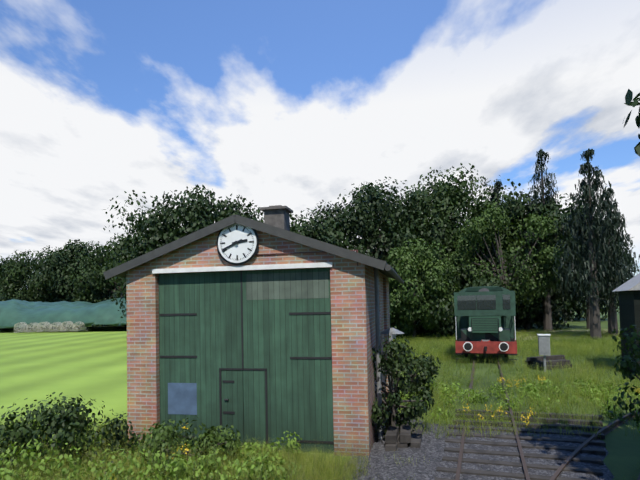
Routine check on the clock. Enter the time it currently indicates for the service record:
2:41
